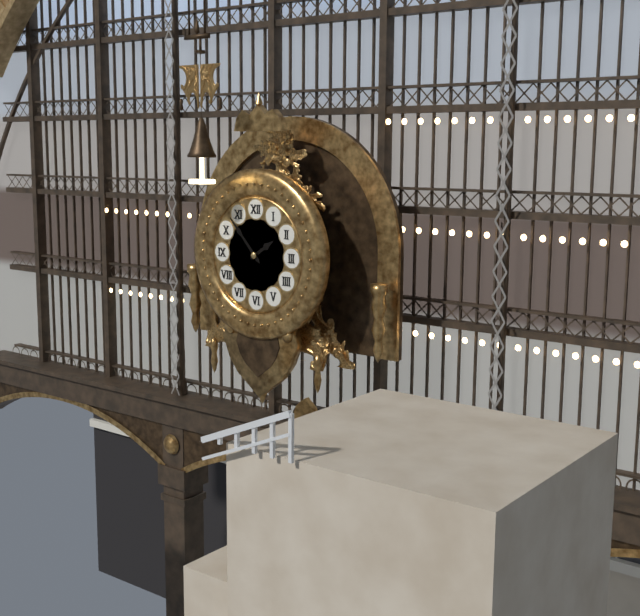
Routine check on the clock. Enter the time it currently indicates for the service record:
1:53
